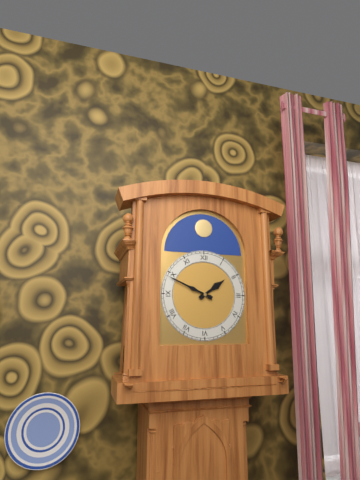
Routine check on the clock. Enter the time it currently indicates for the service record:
1:49
